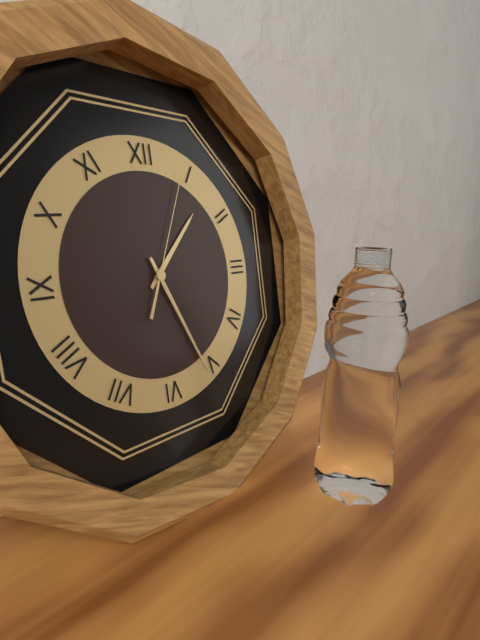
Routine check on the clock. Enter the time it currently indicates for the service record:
1:26:04
